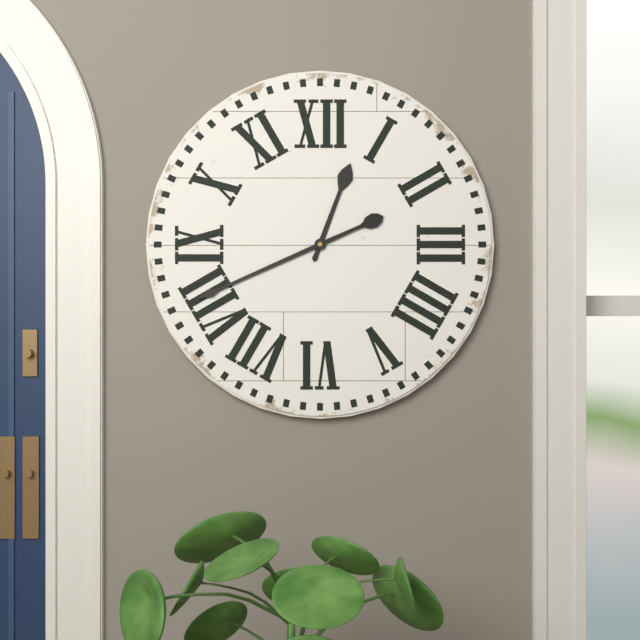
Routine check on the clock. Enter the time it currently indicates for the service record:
12:41
